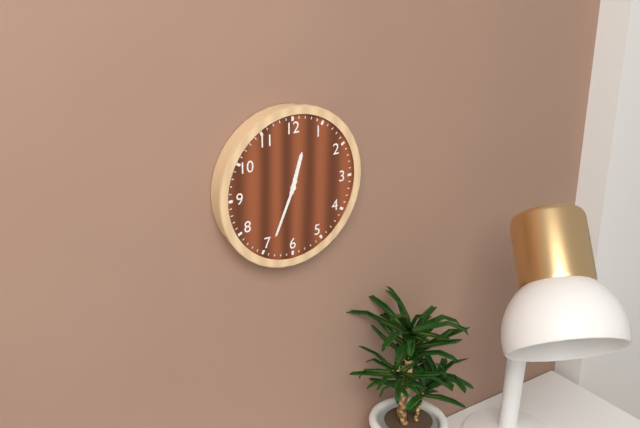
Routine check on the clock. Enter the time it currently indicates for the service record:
12:34
